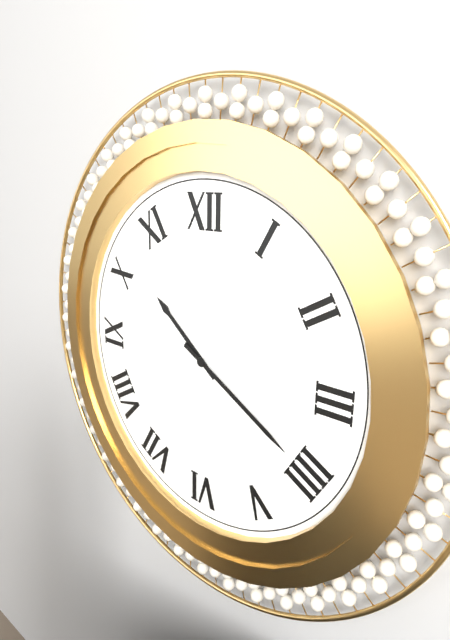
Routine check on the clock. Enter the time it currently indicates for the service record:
10:20
